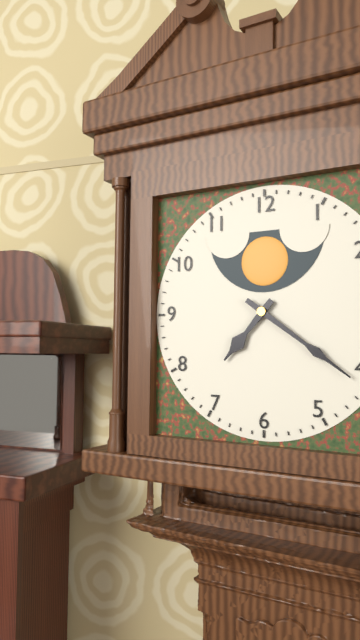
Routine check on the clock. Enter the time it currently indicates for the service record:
7:21
